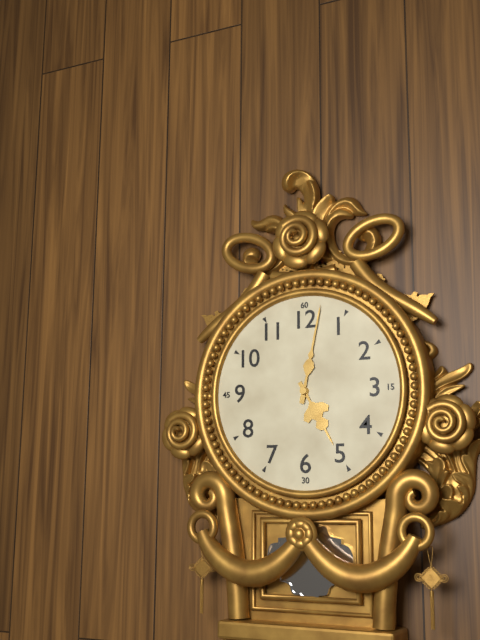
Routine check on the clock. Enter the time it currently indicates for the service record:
5:02
